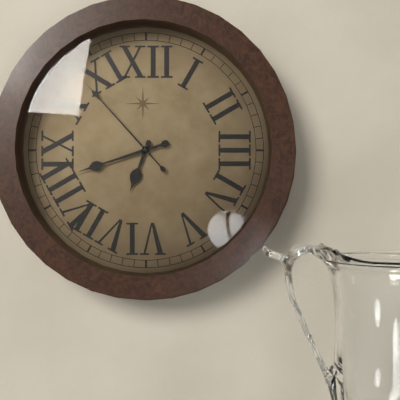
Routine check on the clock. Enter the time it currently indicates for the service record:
6:42:53
